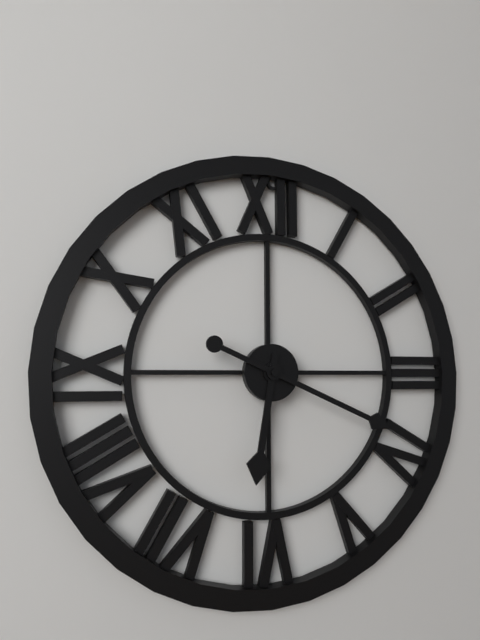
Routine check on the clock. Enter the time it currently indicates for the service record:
6:19
